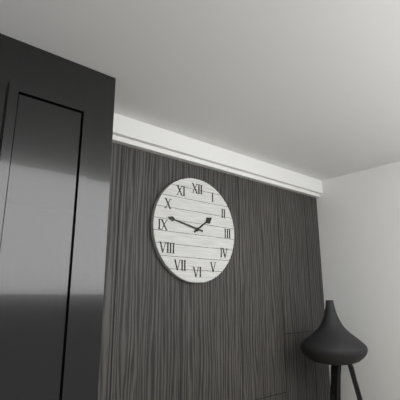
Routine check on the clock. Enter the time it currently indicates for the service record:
1:47
